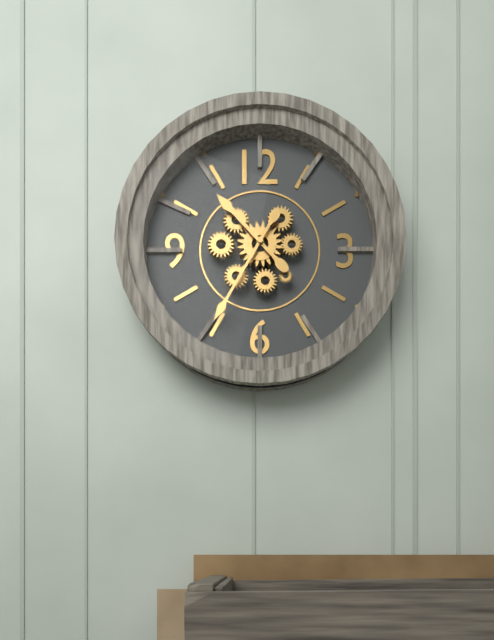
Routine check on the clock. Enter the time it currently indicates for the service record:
10:35
